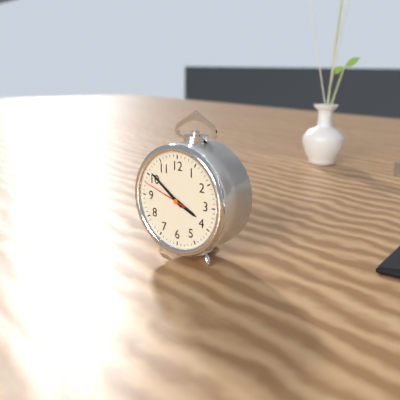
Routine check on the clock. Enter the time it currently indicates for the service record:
3:51
